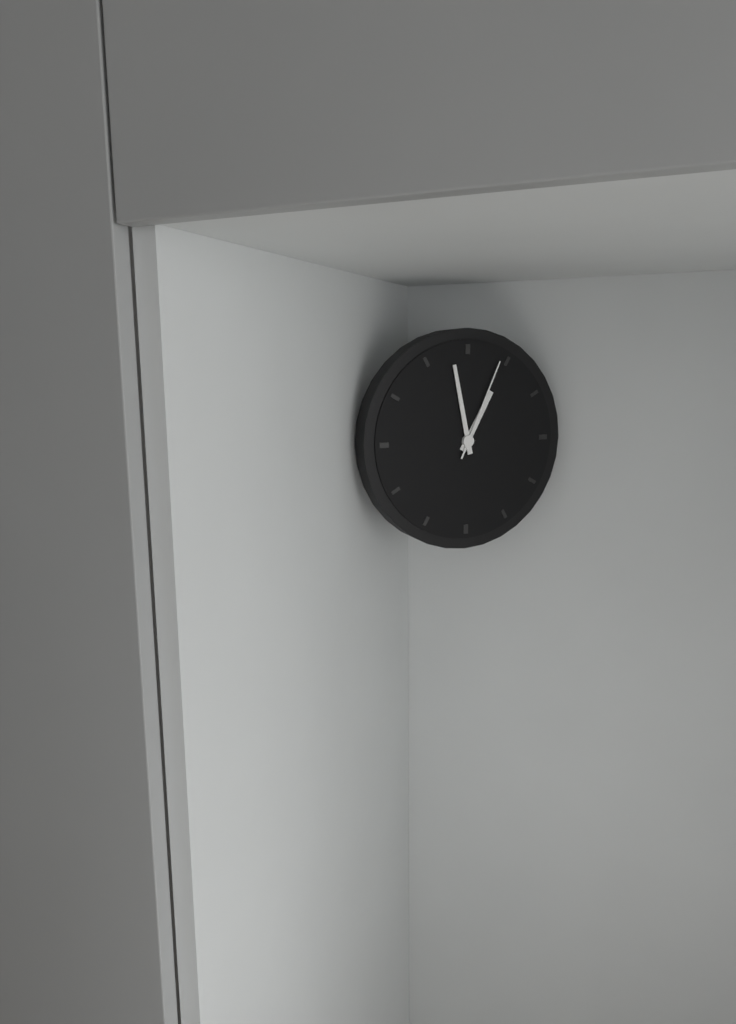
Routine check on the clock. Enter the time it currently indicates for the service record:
12:58:04
